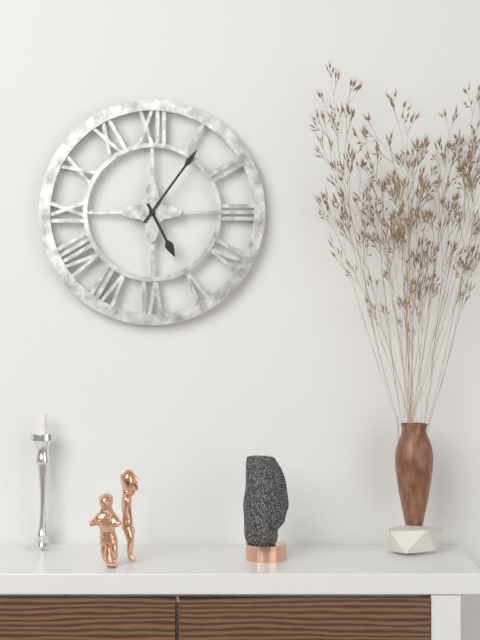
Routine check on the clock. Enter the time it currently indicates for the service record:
5:06
